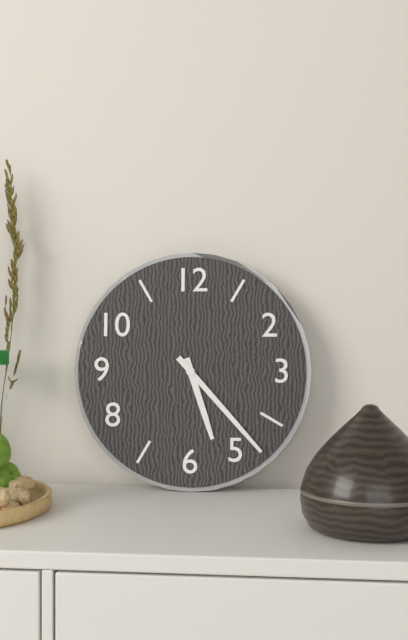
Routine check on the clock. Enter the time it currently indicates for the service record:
5:23
